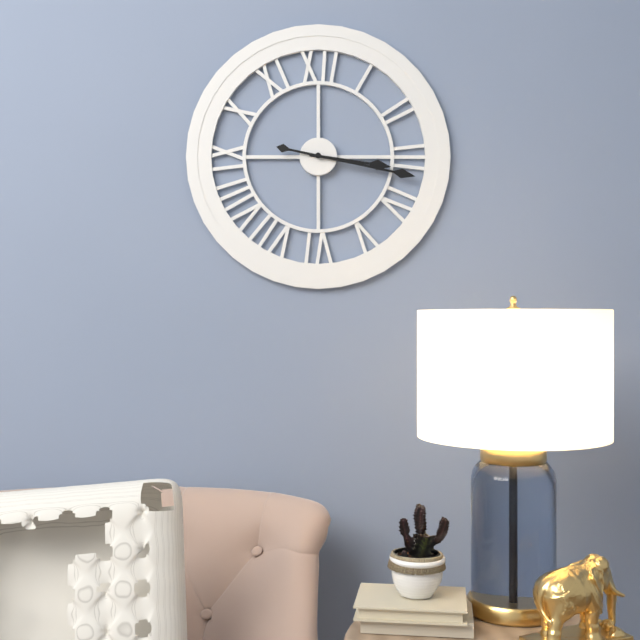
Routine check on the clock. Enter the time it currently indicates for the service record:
3:17
